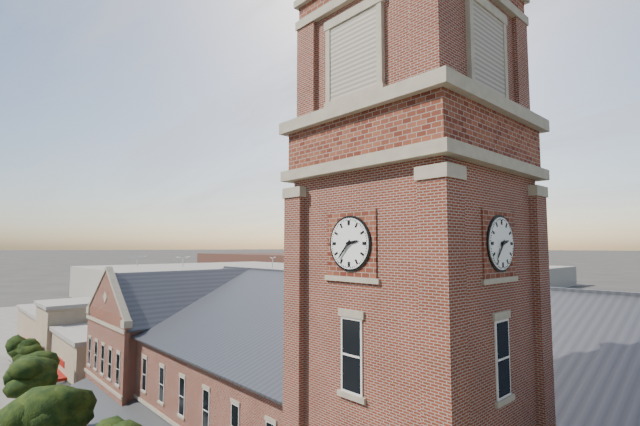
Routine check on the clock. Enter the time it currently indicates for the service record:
2:37
